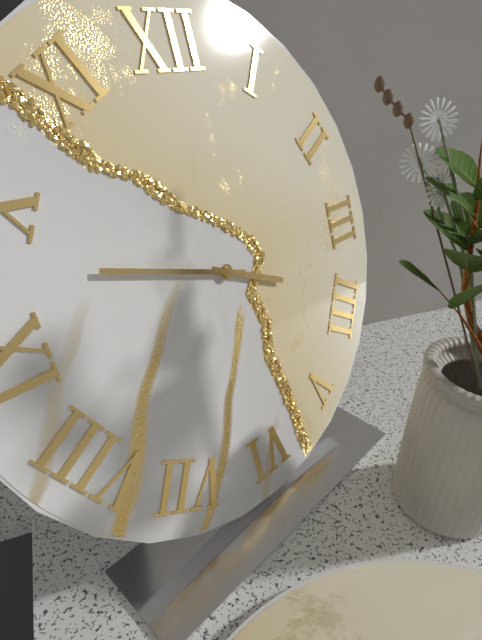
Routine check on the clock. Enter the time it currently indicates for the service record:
3:48
